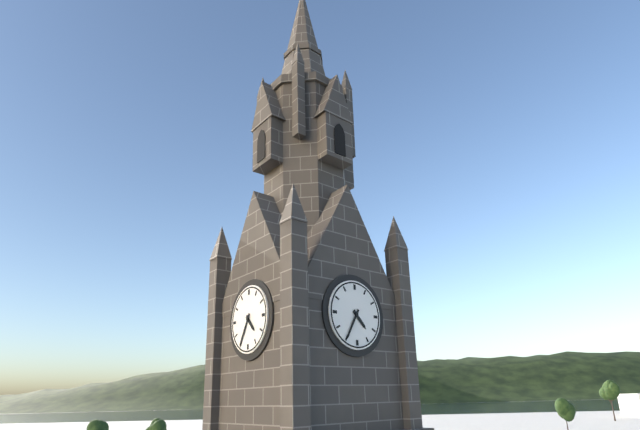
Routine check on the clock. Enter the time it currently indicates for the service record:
4:35
